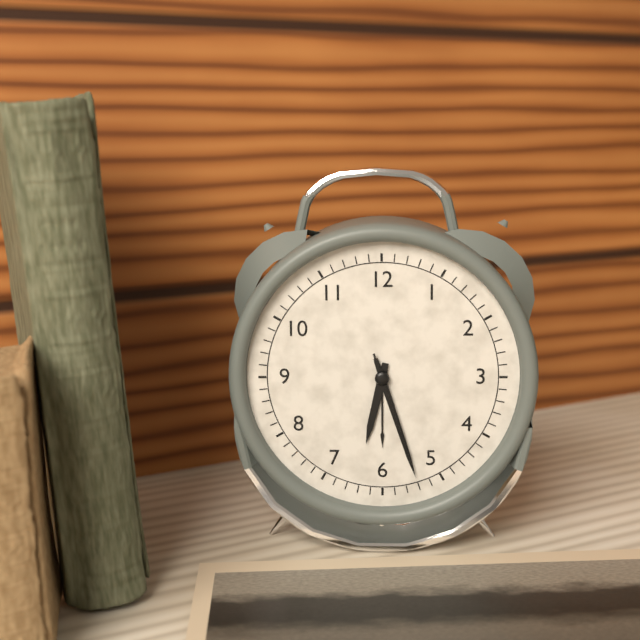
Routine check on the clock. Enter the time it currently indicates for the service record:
6:27:27
